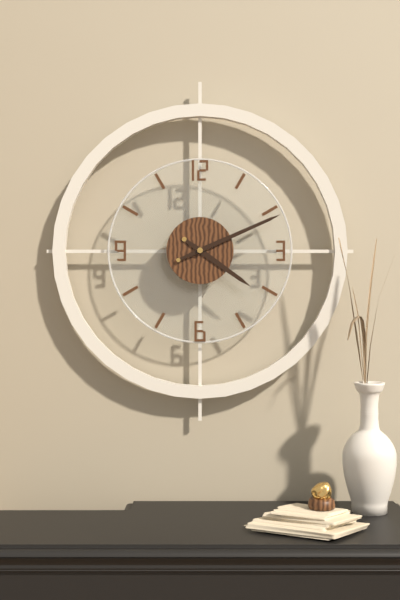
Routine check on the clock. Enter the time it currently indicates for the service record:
4:11
